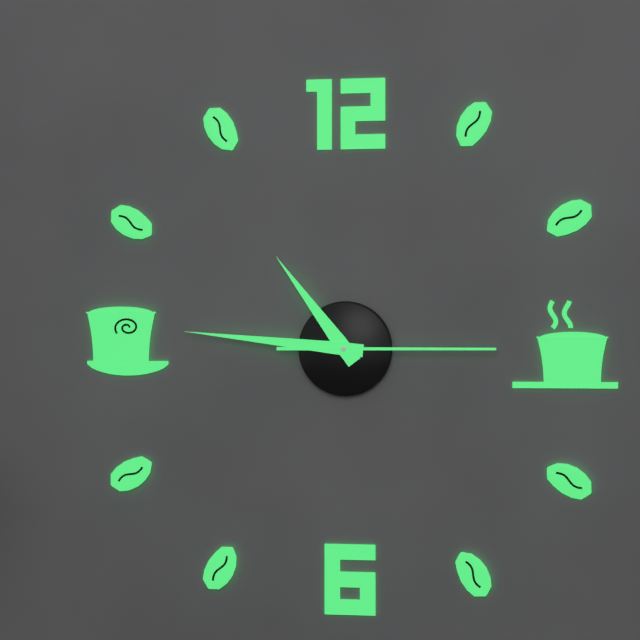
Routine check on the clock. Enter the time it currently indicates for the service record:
10:46:15
